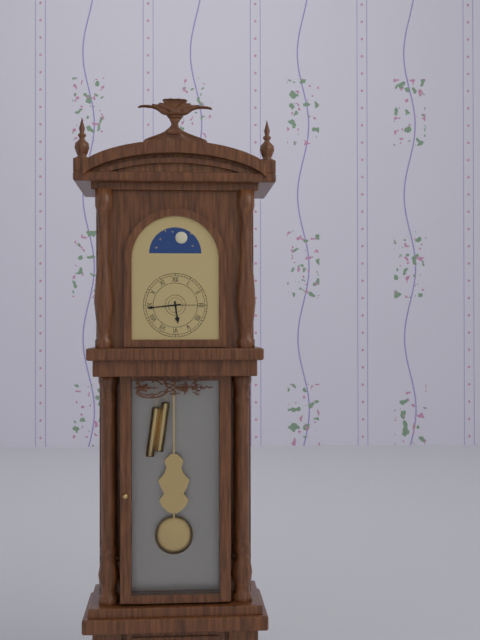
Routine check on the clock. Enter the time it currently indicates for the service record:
5:44
